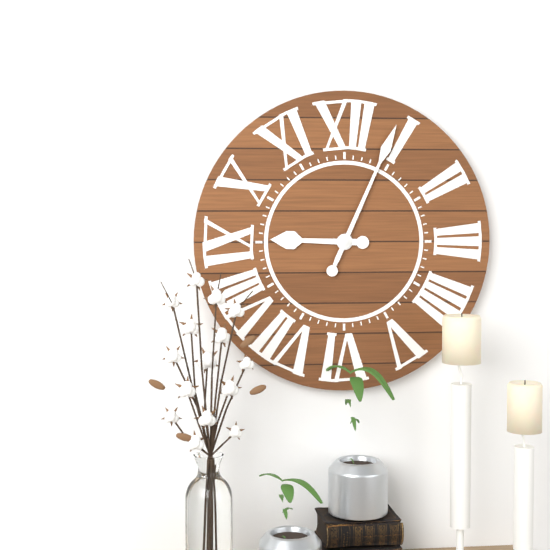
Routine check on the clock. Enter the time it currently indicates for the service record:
9:04
